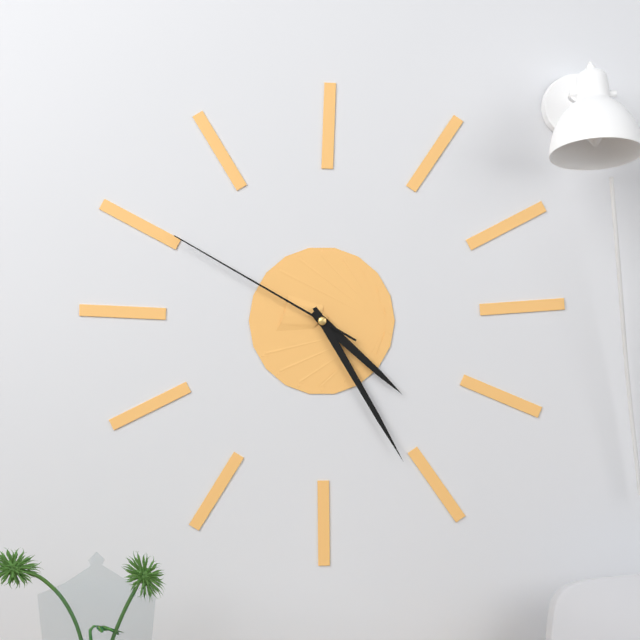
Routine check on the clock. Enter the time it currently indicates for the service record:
4:25:50
